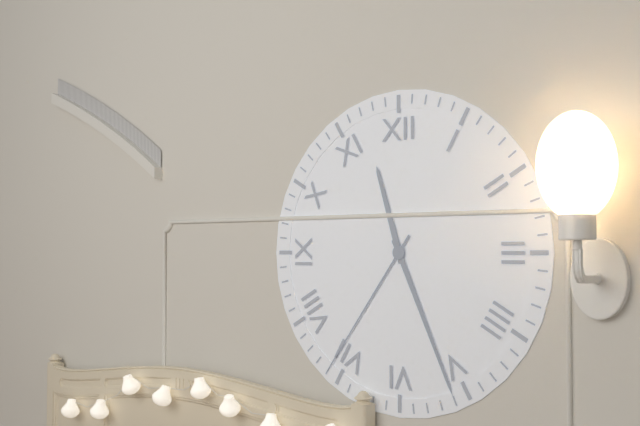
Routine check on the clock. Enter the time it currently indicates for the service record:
11:26:36
